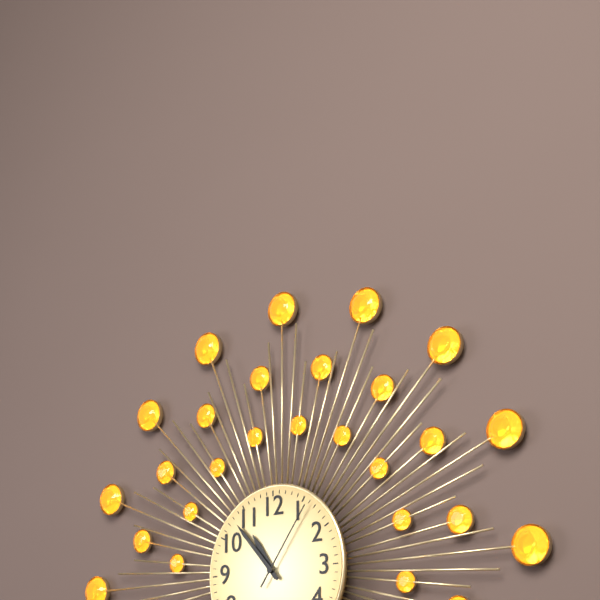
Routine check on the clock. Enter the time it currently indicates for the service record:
10:53:06
